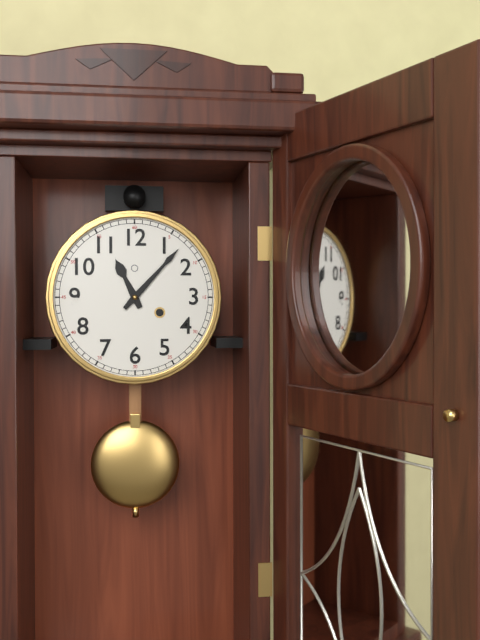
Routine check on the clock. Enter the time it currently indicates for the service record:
11:07
